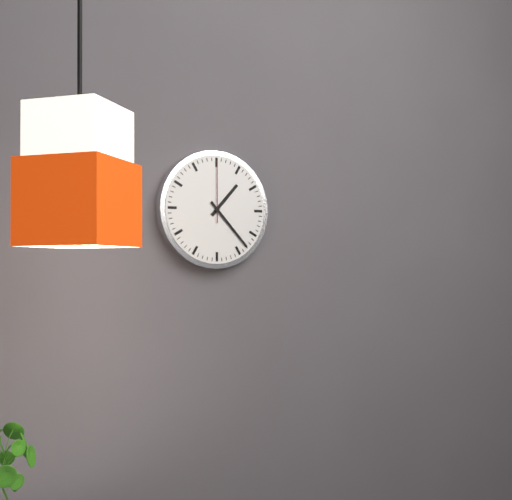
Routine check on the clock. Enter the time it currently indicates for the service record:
1:23:00
